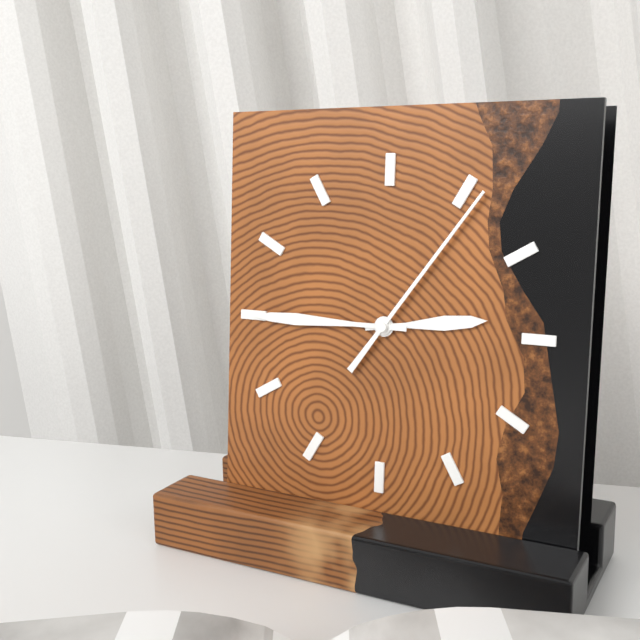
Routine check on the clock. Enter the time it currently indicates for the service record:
2:45:06
